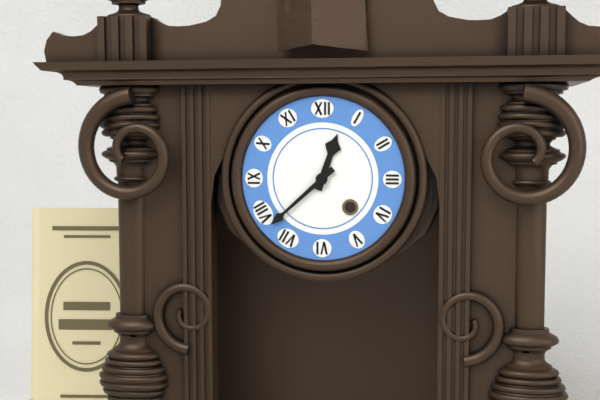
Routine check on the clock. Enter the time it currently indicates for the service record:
12:38
